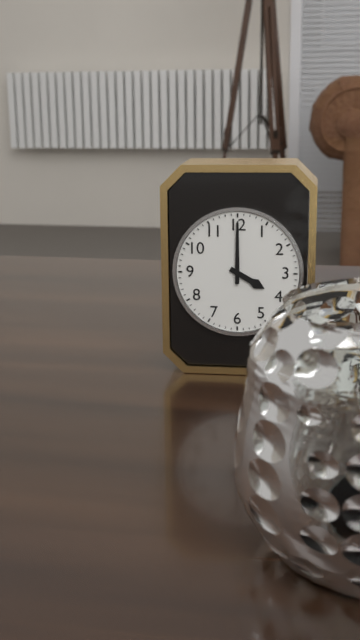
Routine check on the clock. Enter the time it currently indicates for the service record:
4:00
